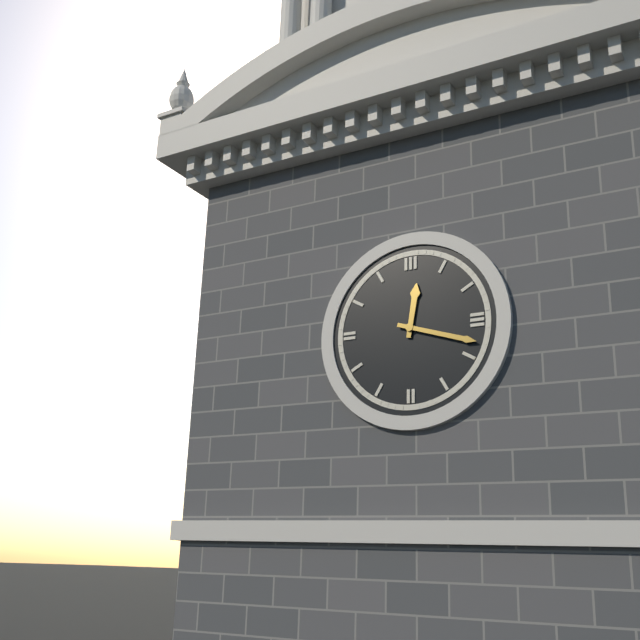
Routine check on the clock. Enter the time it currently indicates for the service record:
12:18
